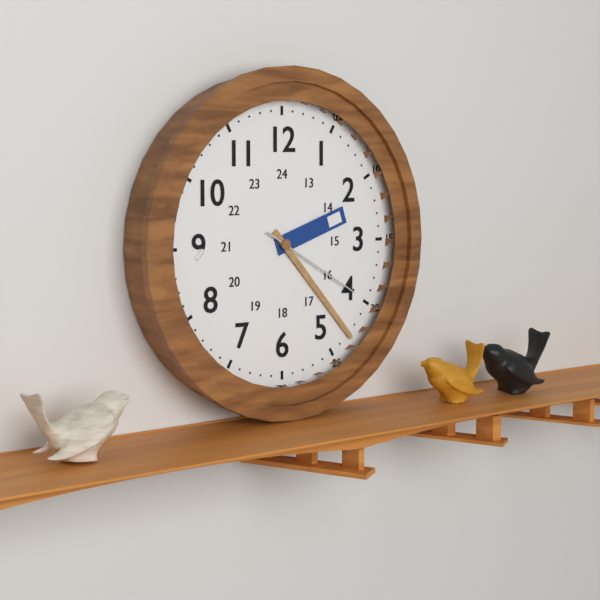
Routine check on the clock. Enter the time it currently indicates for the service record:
2:23:20
